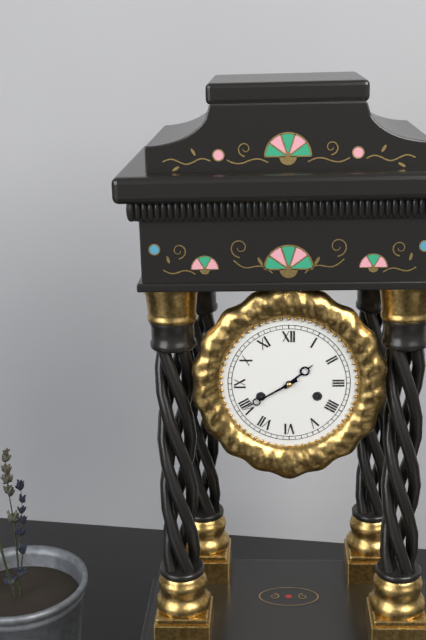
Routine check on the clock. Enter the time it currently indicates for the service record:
1:40
